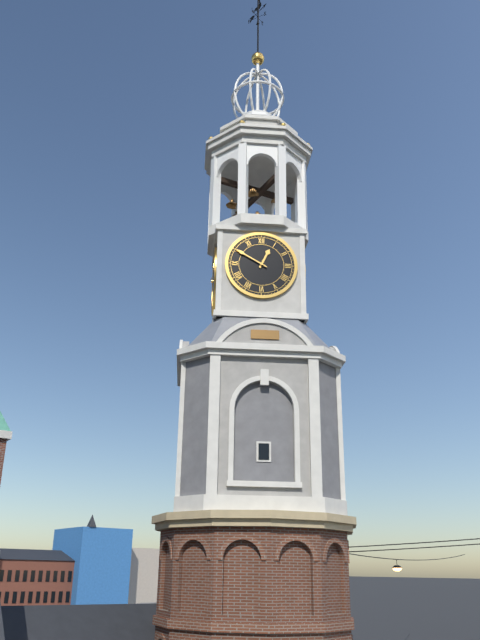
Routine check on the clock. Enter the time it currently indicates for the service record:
12:50
